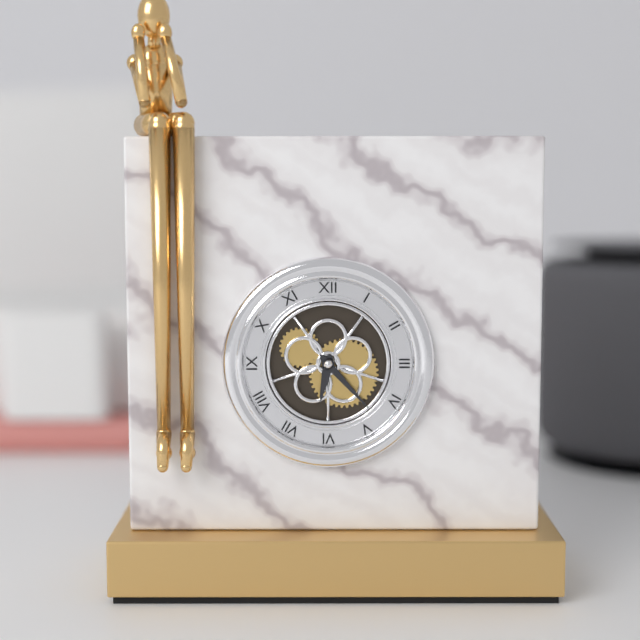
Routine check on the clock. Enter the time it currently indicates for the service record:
6:23
